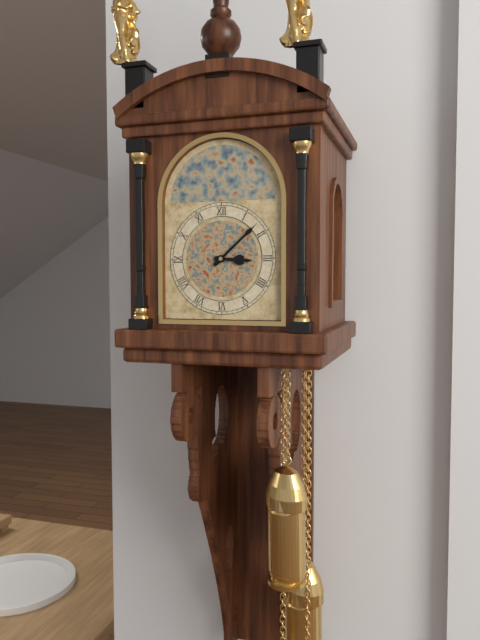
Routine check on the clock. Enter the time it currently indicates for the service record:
3:08
